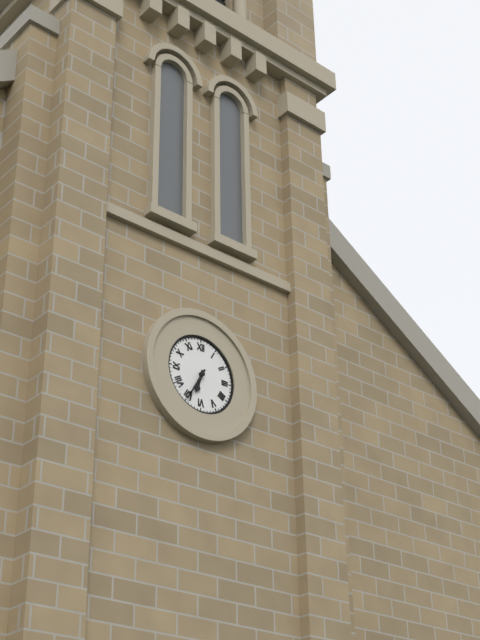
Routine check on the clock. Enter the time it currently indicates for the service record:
6:35
